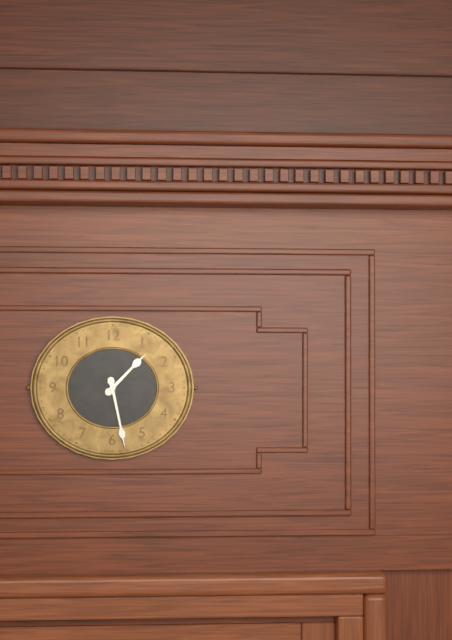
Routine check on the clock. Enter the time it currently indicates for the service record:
1:28
